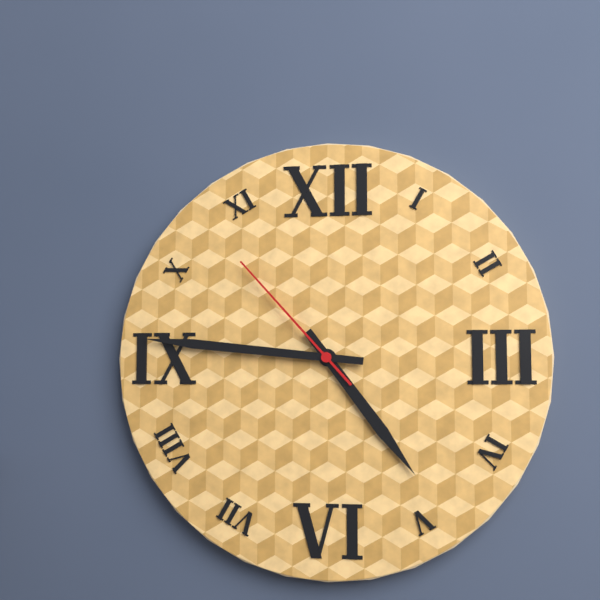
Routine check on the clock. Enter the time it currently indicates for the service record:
4:46:53
